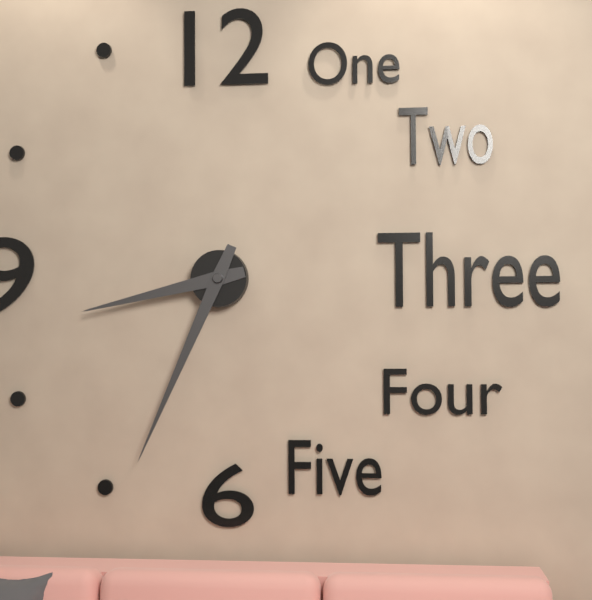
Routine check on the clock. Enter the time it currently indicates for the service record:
8:34
